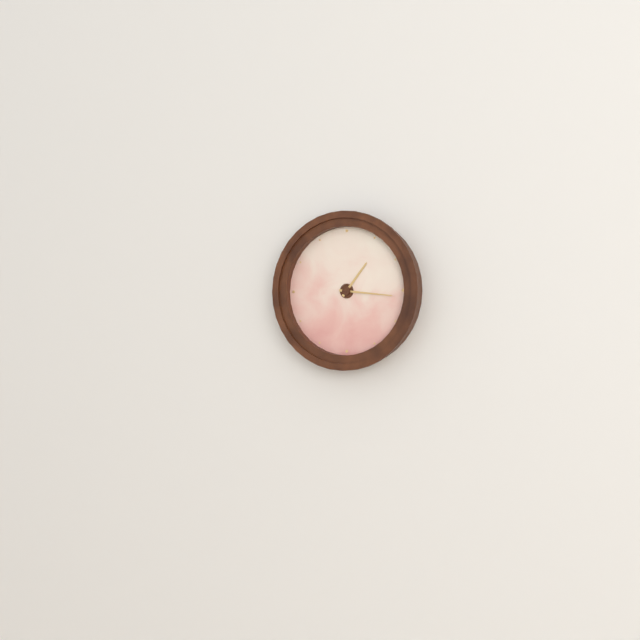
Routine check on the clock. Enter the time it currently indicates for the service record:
1:16
